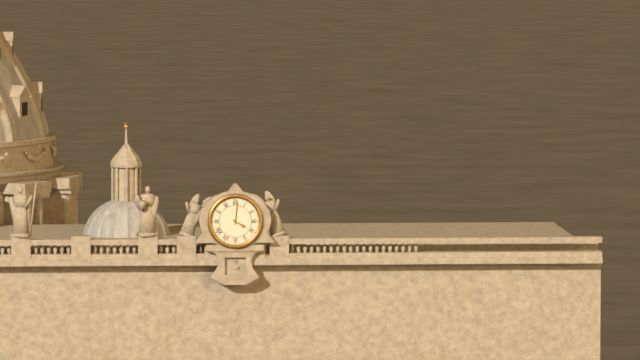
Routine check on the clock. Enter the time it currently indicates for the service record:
4:01
